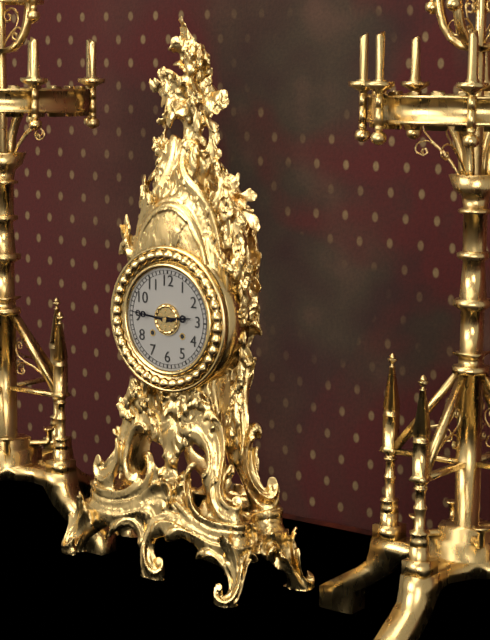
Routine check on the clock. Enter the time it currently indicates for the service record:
2:46
